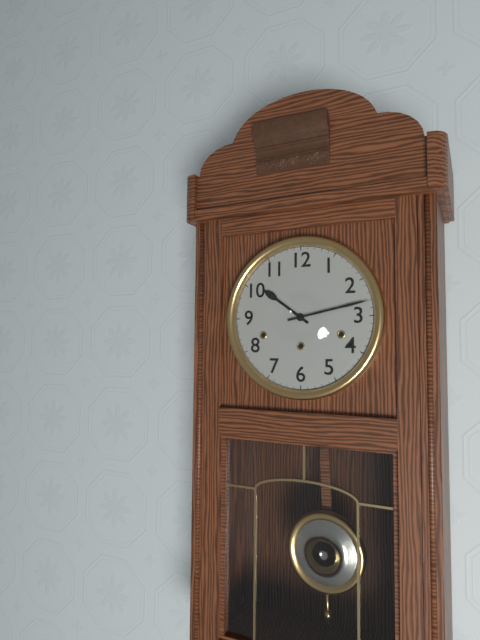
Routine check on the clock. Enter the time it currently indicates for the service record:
10:13
